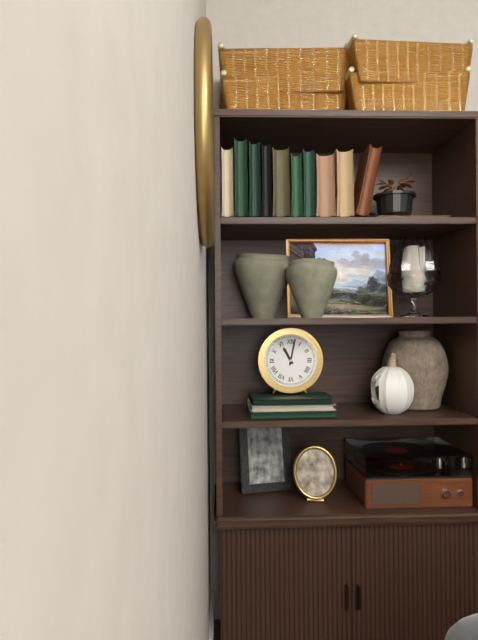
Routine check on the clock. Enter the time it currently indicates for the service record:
11:02
